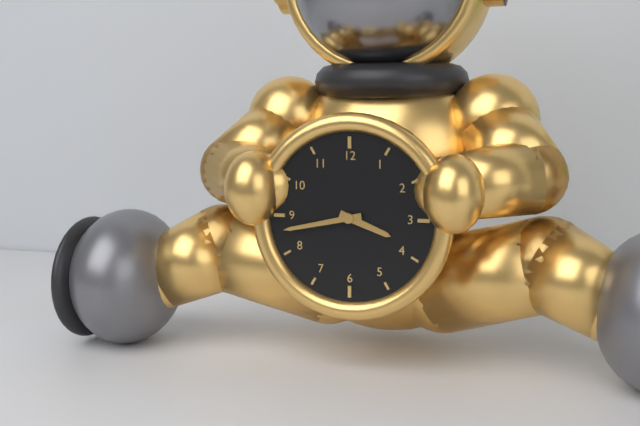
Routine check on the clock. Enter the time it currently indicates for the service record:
3:43
